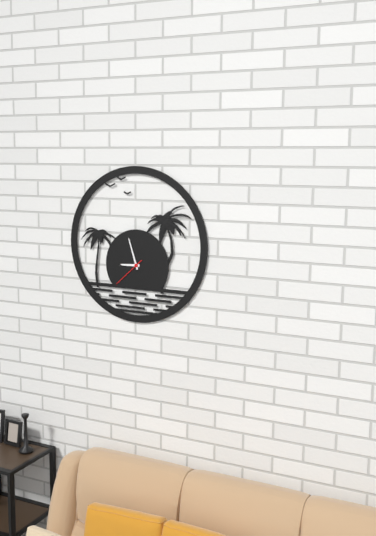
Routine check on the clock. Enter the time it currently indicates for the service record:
8:57
